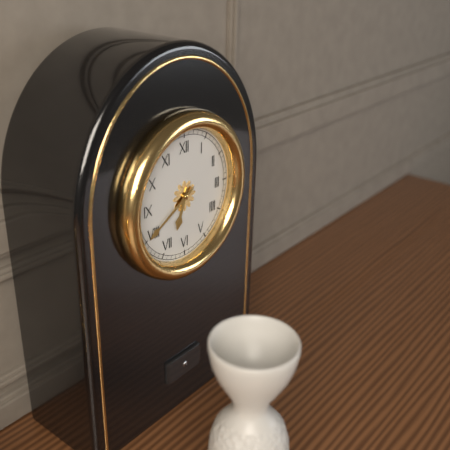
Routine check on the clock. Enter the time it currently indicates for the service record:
6:40
